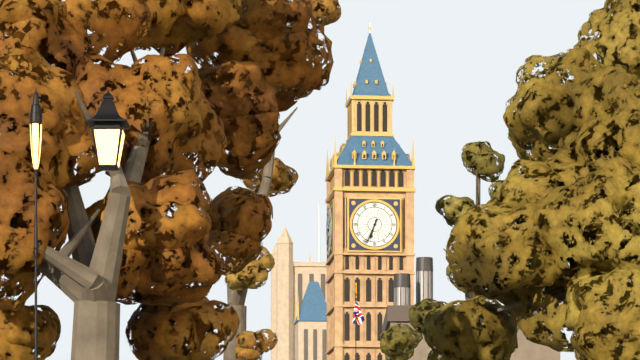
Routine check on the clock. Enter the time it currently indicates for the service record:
6:34
